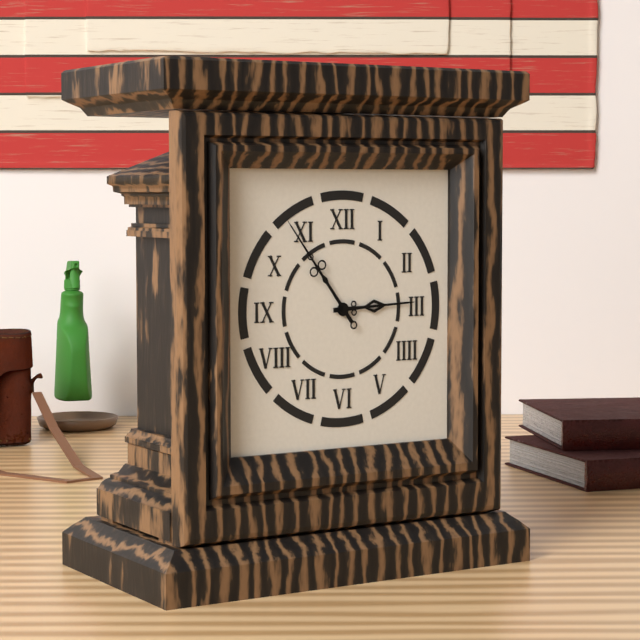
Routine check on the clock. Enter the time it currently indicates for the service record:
2:54
